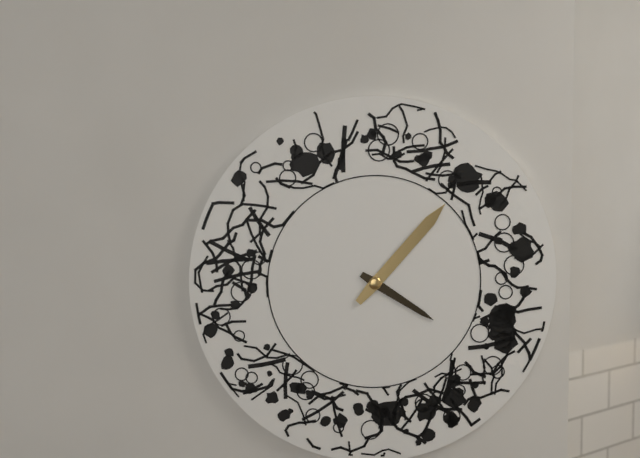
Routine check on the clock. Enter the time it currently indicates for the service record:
4:07
